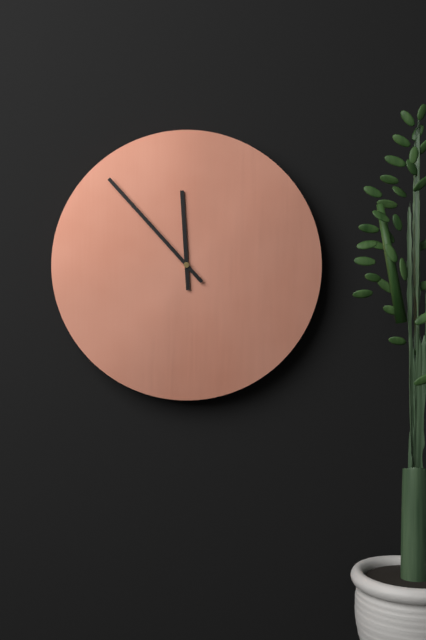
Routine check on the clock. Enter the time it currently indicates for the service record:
11:53
